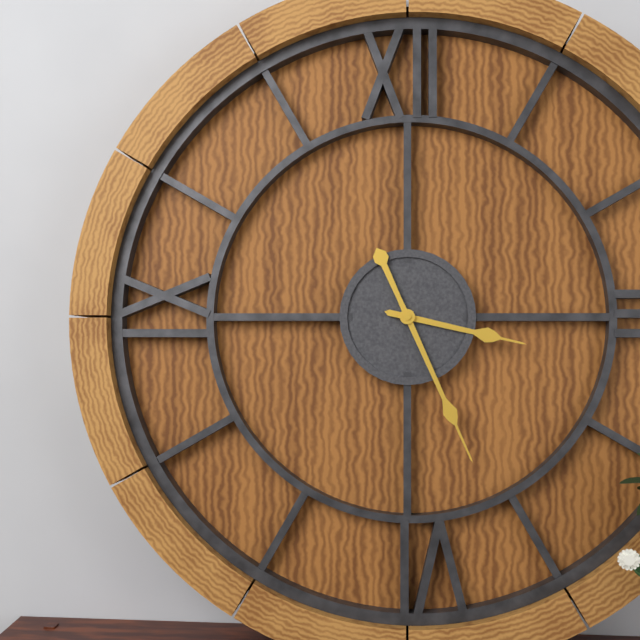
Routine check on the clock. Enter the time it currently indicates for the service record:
3:26
